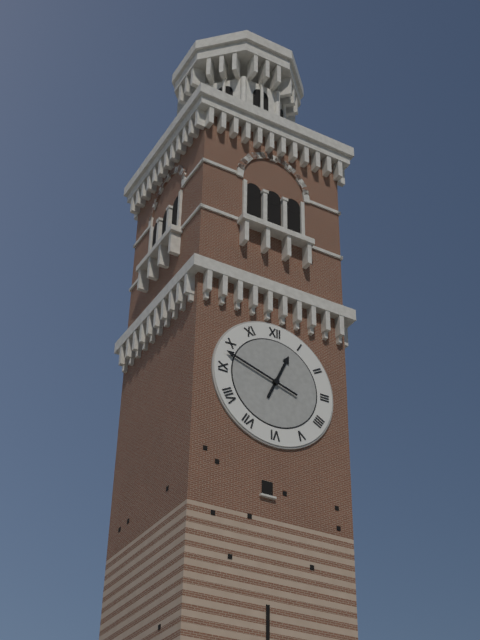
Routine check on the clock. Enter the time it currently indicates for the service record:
12:48
